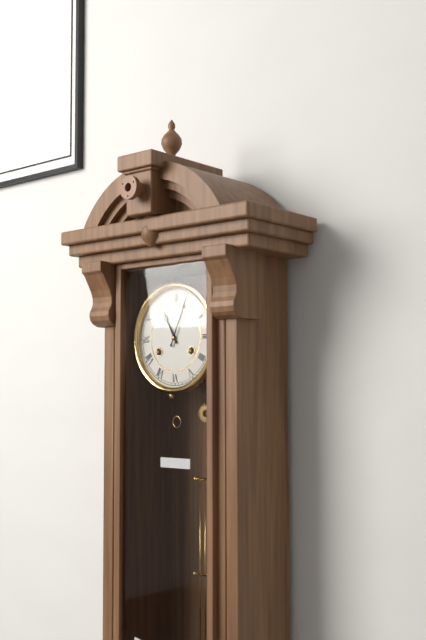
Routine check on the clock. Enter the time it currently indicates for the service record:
11:04
